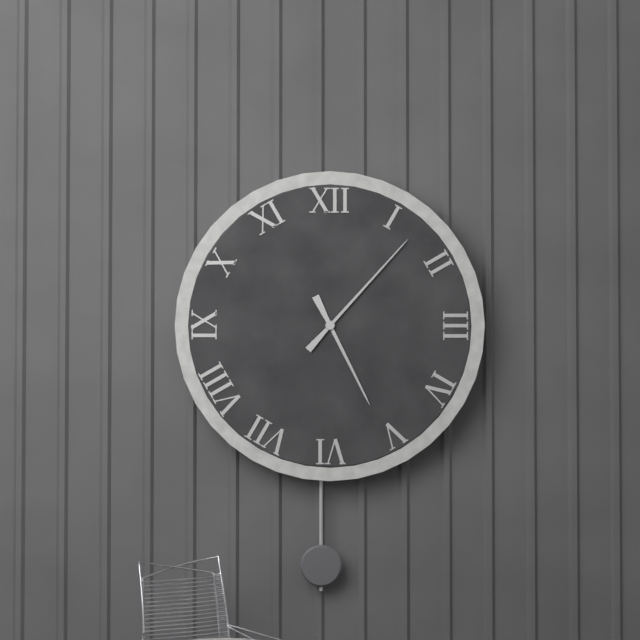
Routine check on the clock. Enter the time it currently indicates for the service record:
5:07
